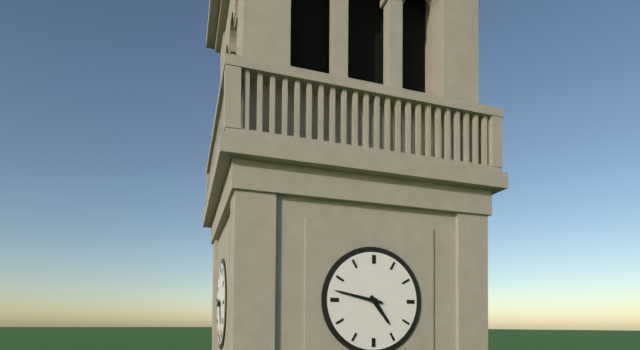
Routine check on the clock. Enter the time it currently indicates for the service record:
4:47
